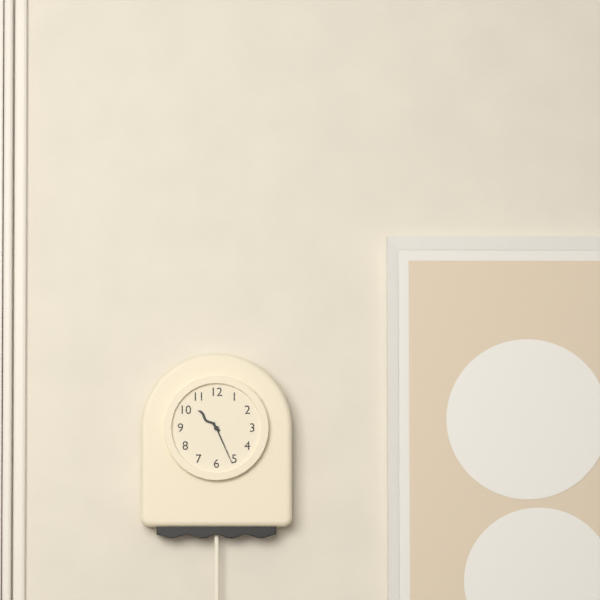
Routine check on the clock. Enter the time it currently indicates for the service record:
10:26
